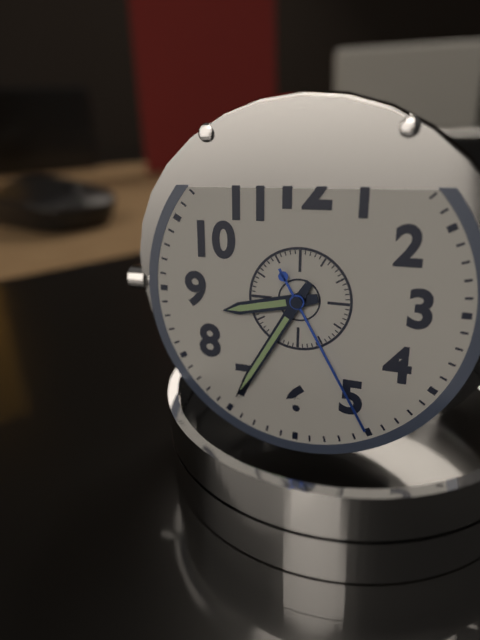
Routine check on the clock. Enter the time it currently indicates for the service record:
8:35:25
